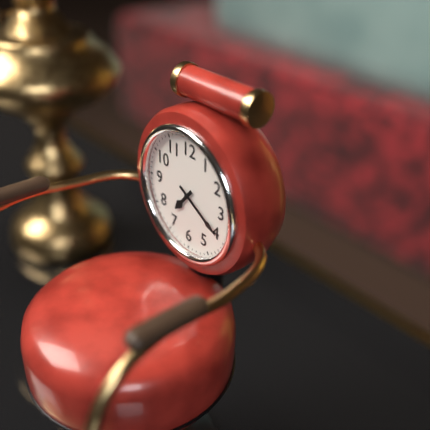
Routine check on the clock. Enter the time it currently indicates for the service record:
7:20
